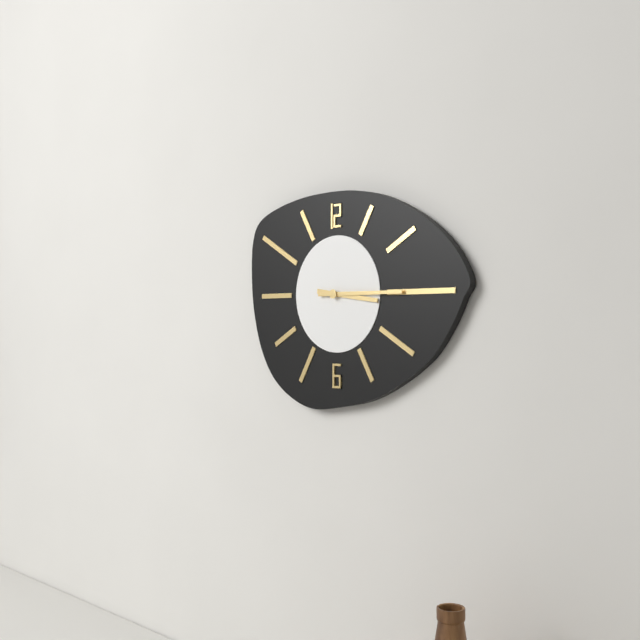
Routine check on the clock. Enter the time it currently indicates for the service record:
3:15
